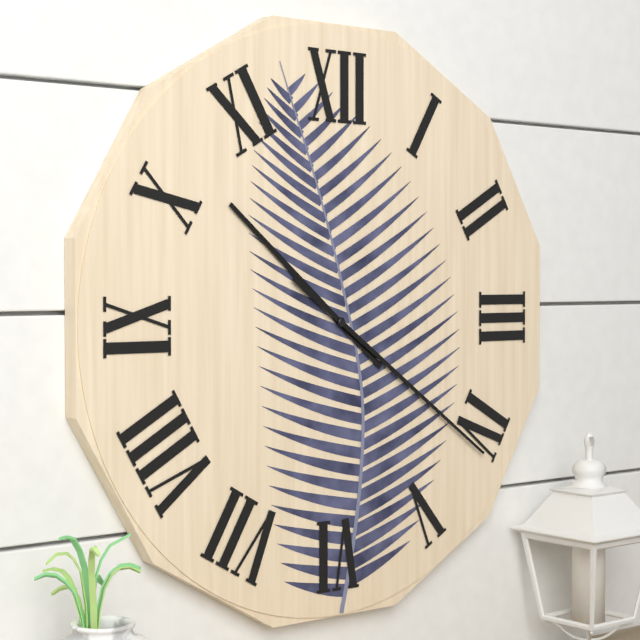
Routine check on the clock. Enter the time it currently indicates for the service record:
10:21
